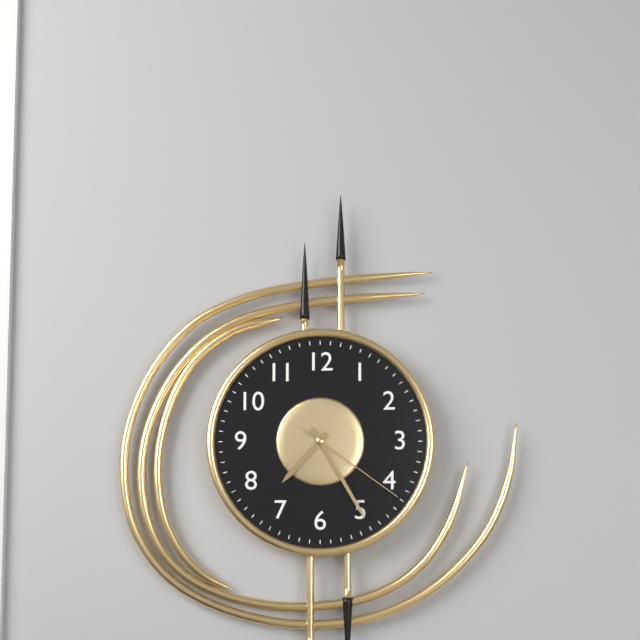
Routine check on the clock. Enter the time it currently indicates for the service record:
7:25:21
